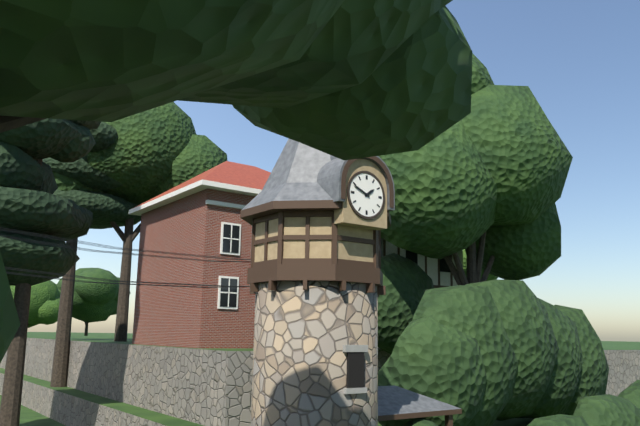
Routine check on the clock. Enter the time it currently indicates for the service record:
1:49
